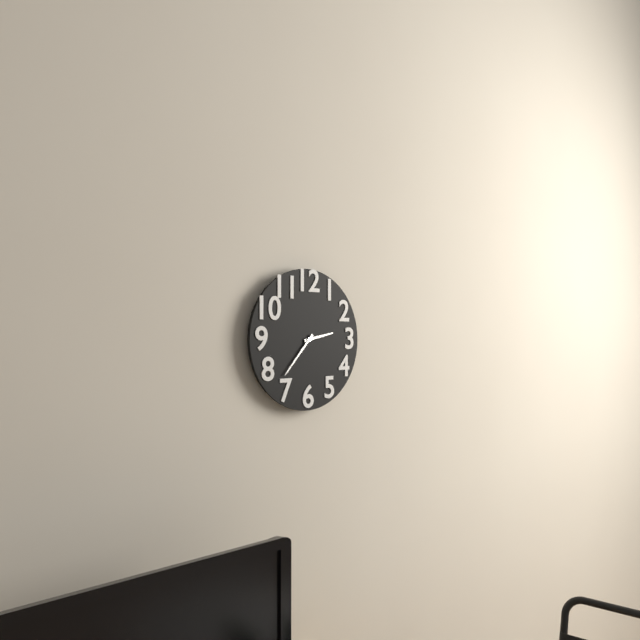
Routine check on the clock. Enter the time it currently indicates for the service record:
2:37
